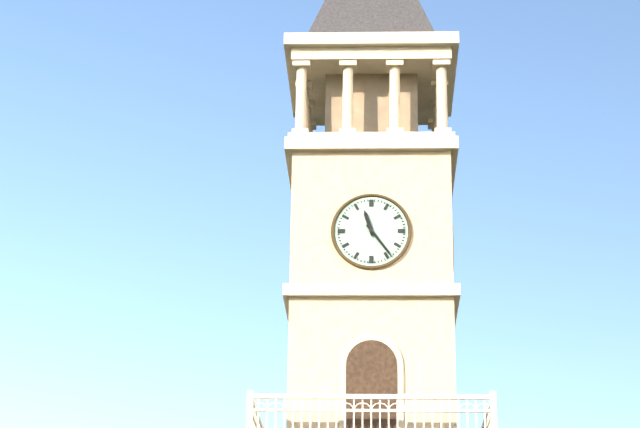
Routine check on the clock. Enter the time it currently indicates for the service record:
11:24
